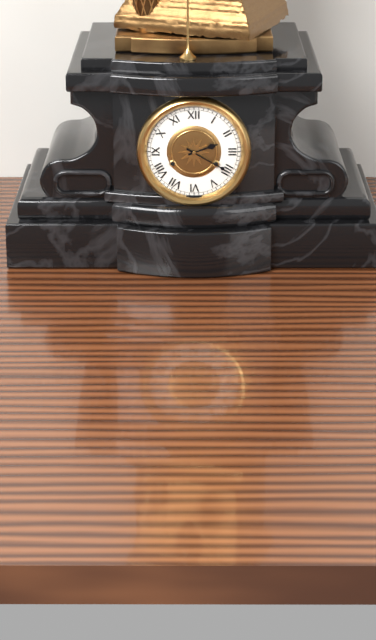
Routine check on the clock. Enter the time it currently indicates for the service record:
2:20
